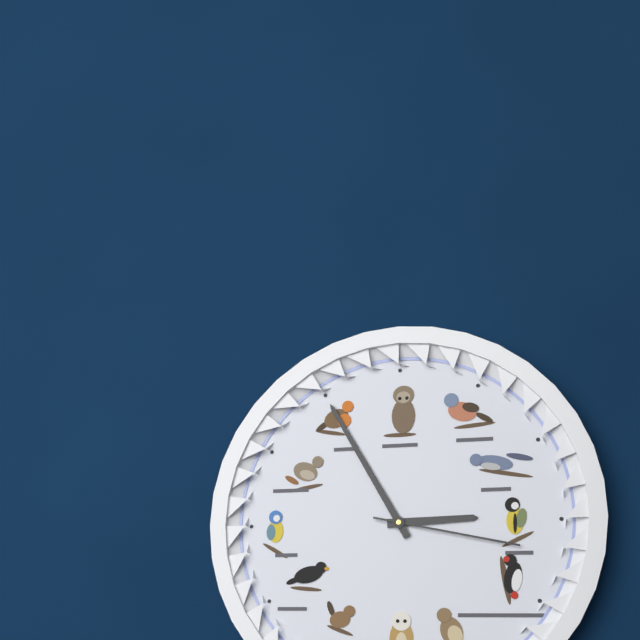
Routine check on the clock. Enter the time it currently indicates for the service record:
2:55:17
